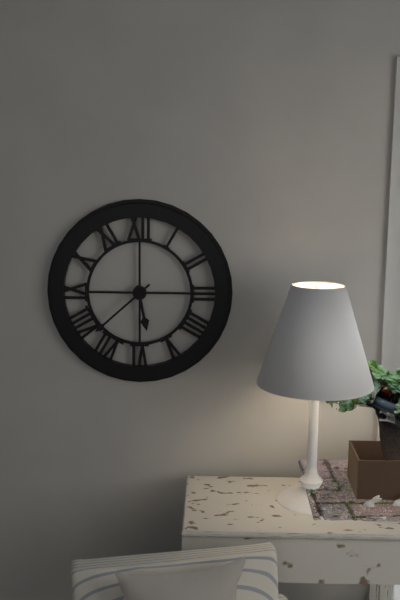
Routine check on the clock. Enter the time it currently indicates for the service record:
5:38
